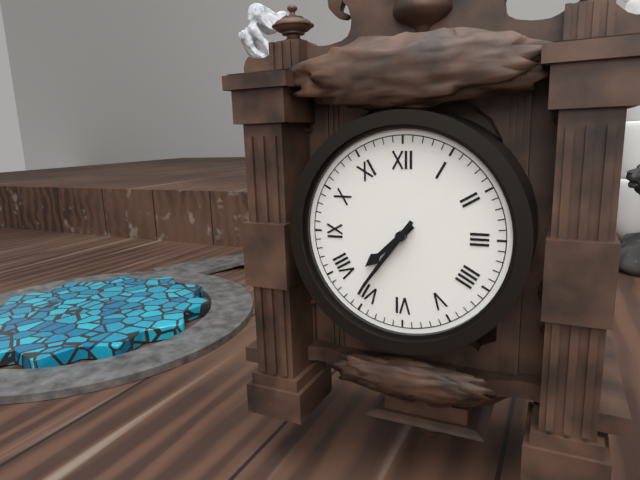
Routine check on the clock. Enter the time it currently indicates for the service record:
7:36
